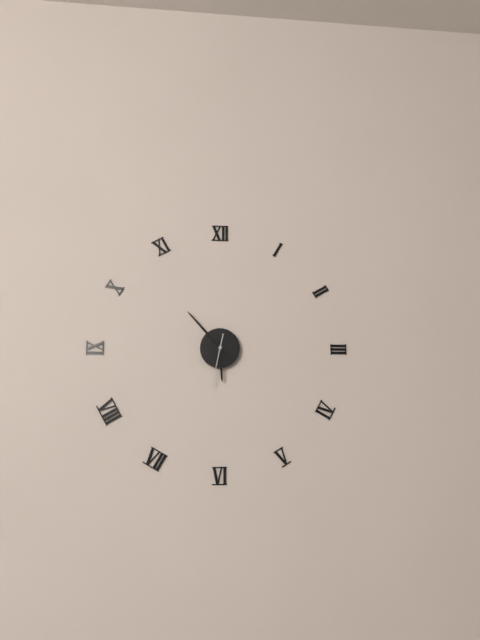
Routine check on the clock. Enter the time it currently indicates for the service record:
5:53:32
